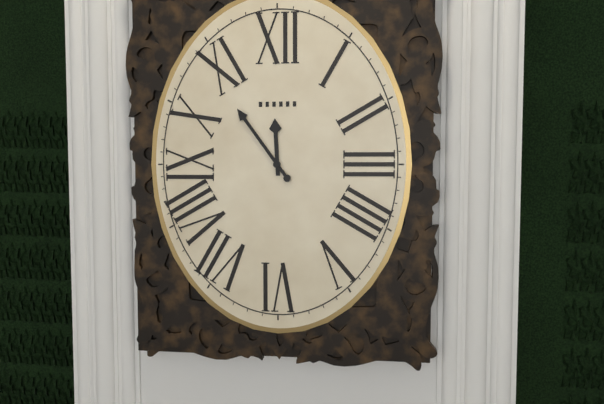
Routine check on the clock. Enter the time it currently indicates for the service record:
11:54
